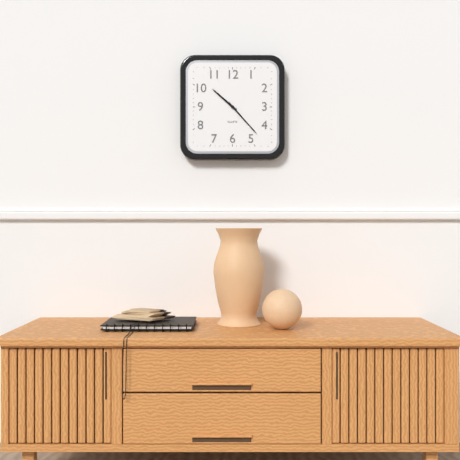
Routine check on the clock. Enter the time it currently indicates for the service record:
10:23
